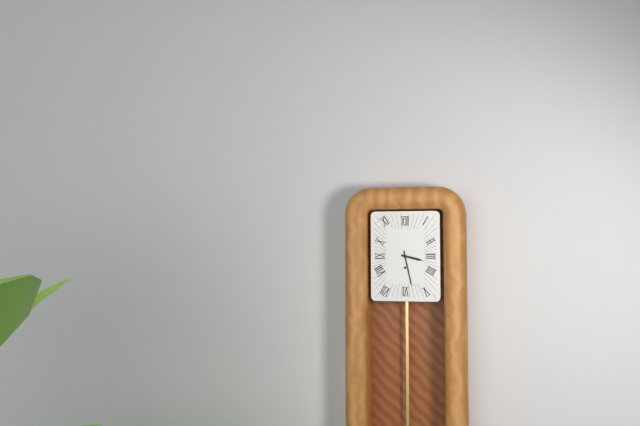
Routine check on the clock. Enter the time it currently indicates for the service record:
3:28
